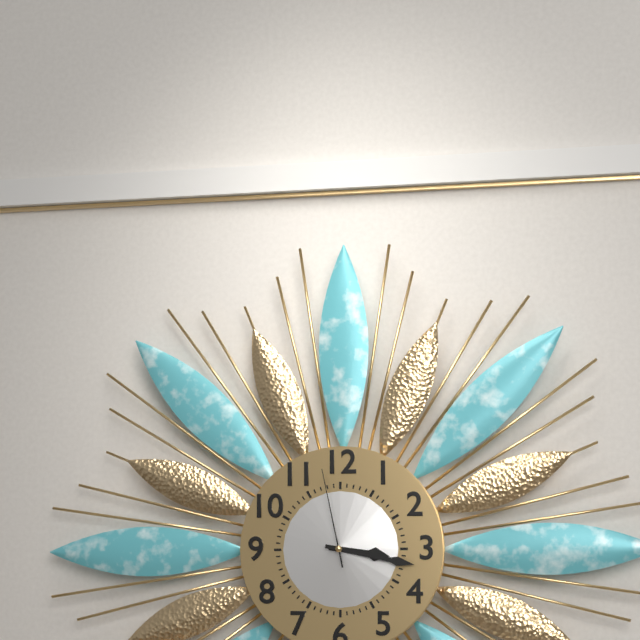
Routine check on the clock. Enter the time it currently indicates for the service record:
3:17:58
